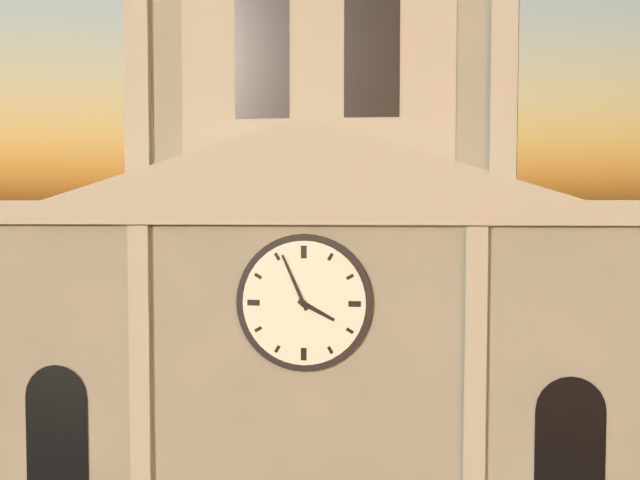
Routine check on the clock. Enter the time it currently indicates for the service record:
3:56
